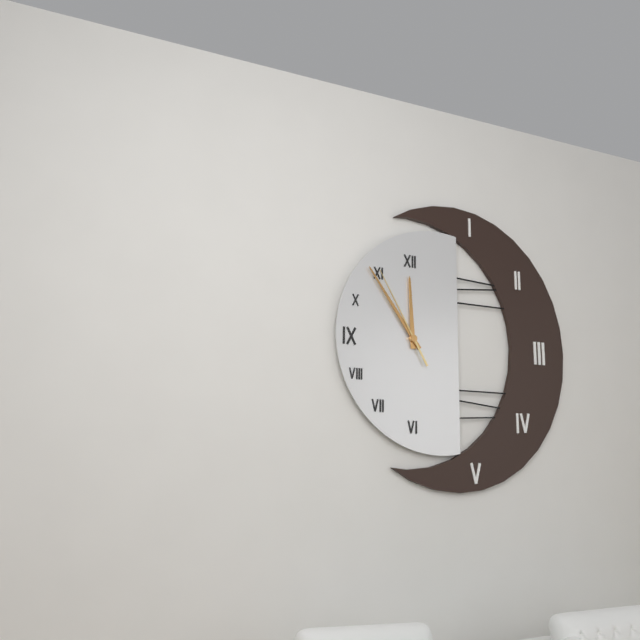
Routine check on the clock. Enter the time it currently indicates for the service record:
11:54:55
